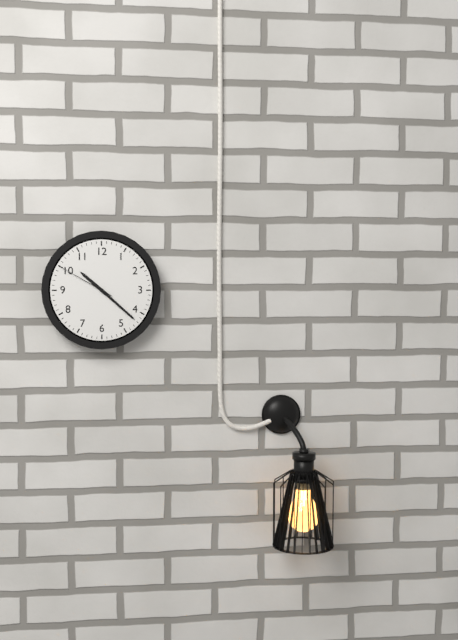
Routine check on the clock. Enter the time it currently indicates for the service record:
10:22:50
